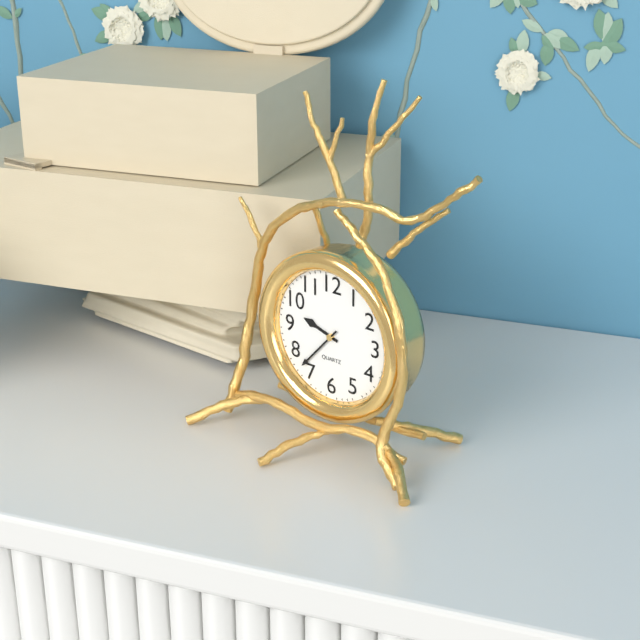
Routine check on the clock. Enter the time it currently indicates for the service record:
9:37
